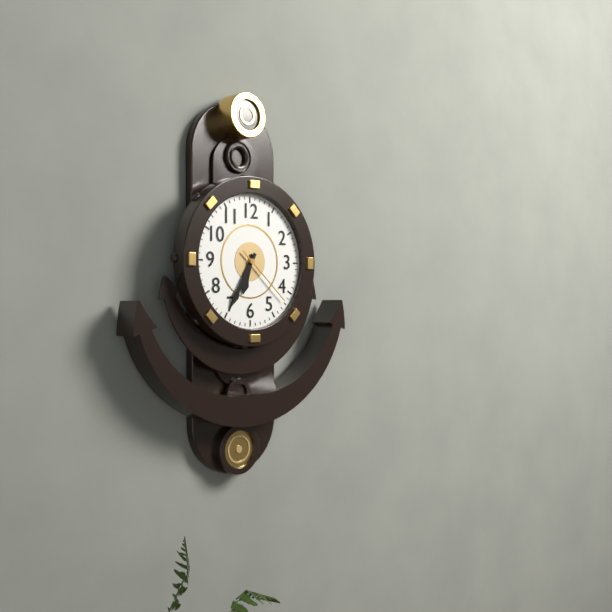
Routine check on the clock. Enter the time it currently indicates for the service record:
6:35:22
